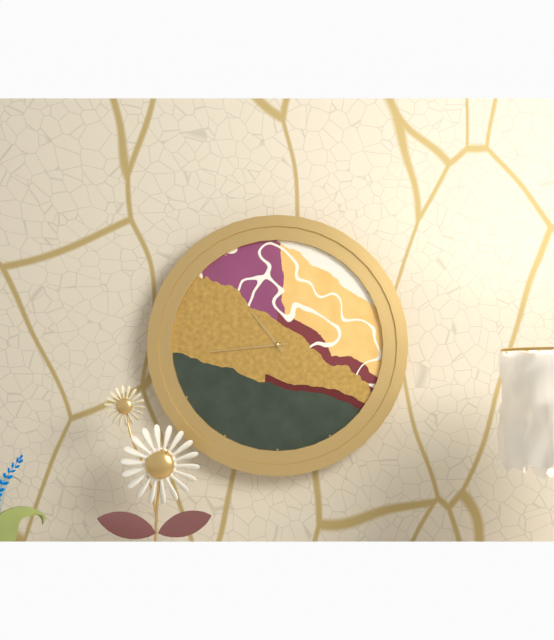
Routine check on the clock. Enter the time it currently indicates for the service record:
10:44
